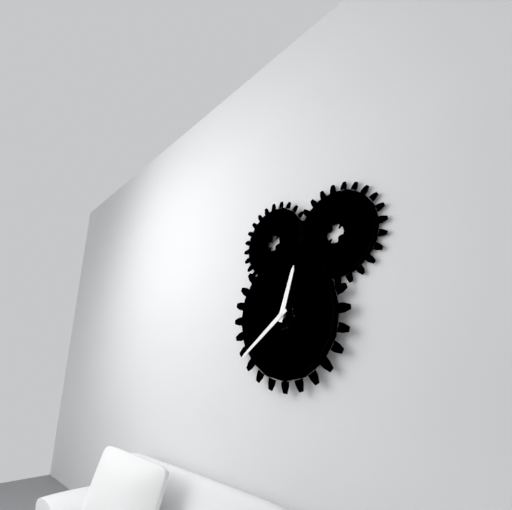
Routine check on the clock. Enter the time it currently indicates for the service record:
12:39
